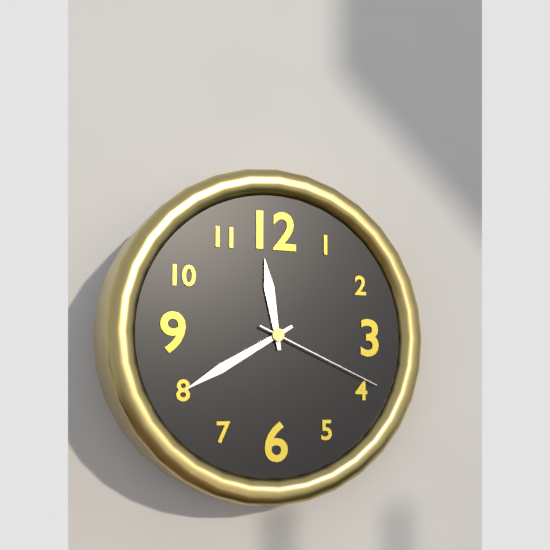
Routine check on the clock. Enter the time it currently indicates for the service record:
11:40:19
